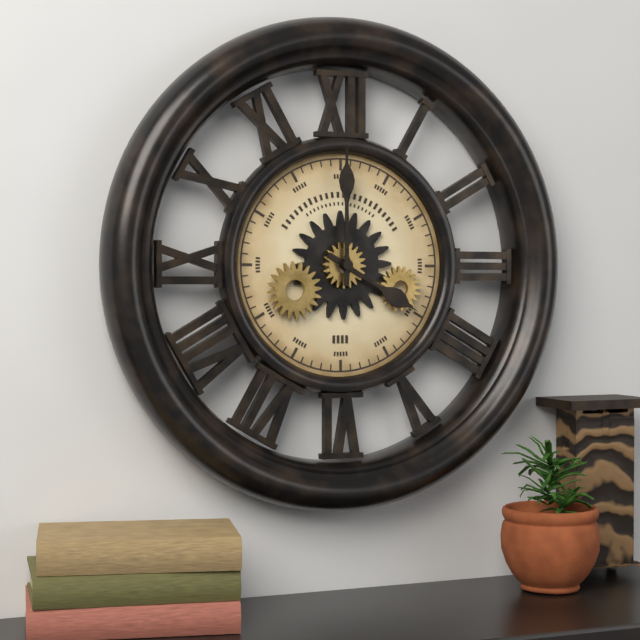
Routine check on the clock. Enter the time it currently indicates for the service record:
4:00
